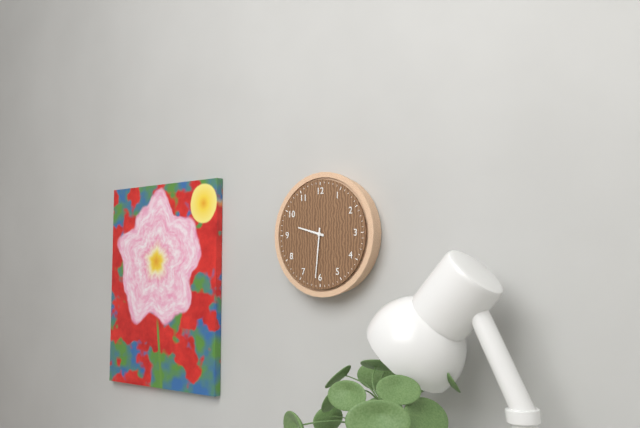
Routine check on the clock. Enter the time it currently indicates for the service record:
9:31
